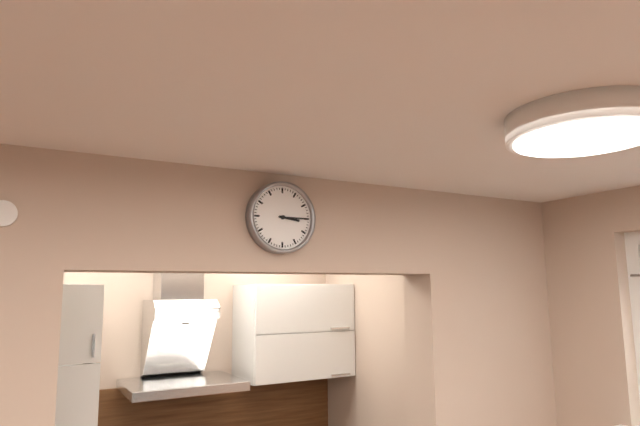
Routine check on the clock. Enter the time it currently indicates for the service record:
3:15
